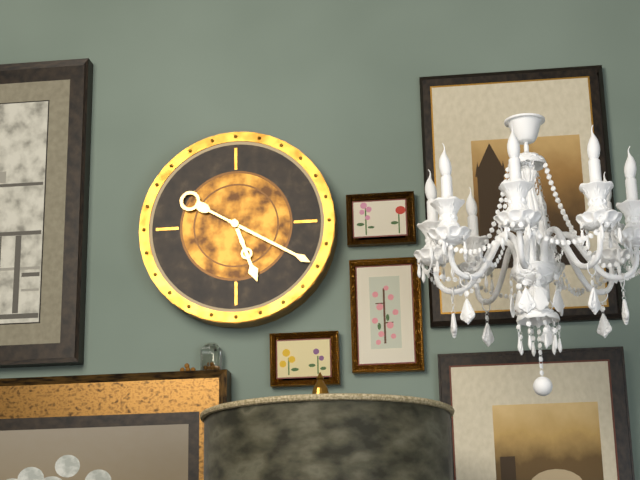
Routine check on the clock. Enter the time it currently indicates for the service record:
5:20
